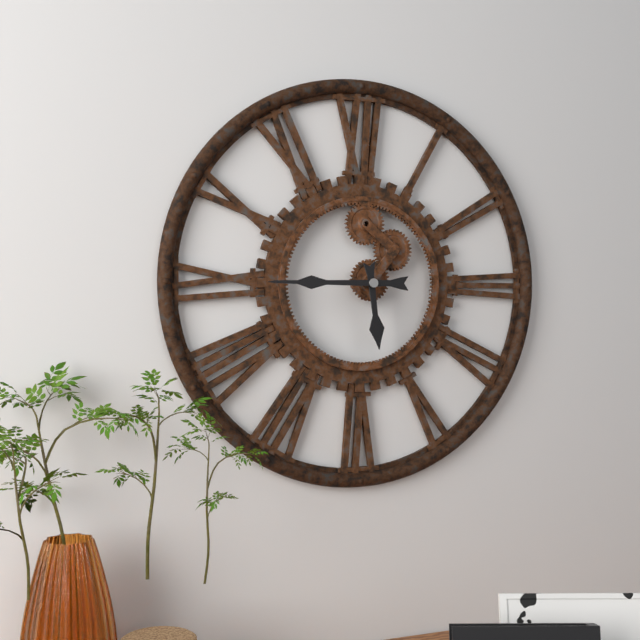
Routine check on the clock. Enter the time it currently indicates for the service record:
5:45
